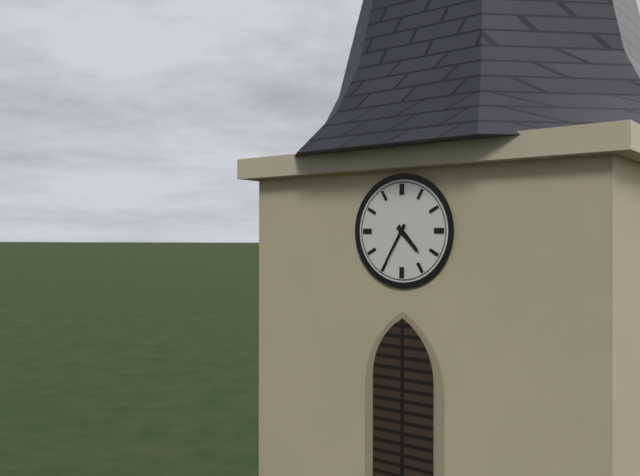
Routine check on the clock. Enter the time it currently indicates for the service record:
4:35
